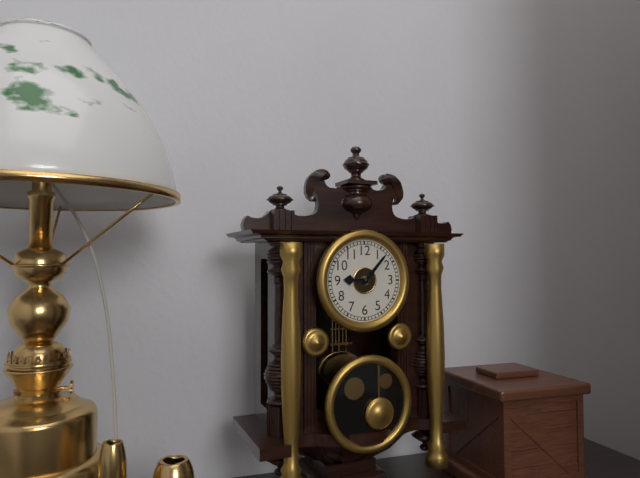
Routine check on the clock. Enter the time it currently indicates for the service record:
9:07
